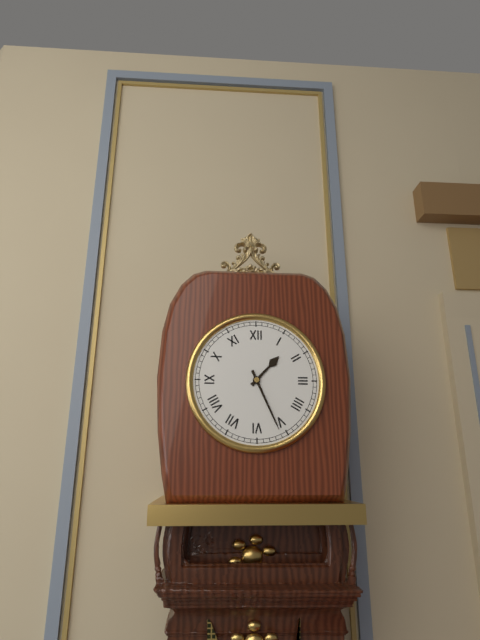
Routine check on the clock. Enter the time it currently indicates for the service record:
1:26
